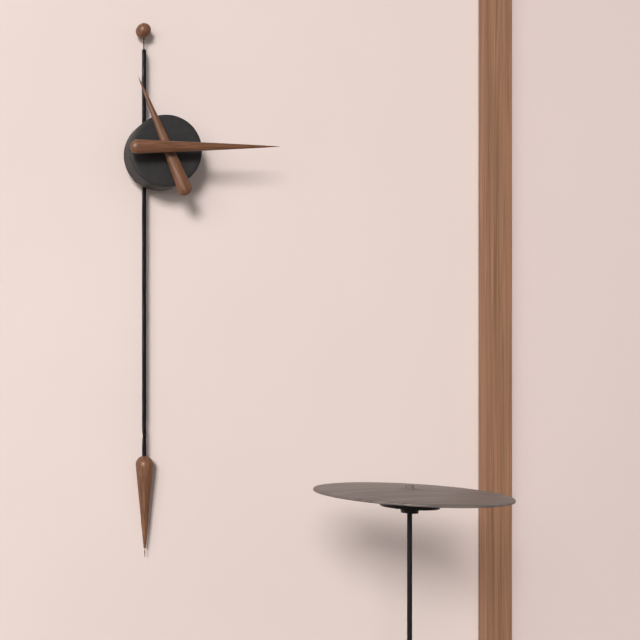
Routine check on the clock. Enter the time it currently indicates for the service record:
11:15
